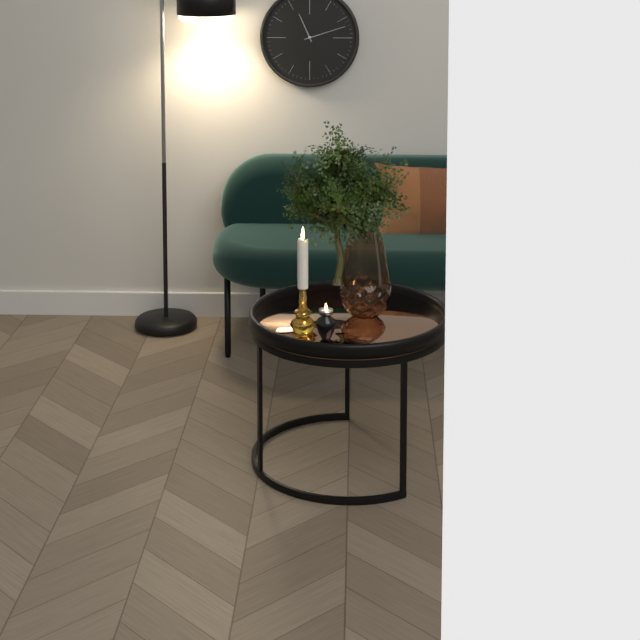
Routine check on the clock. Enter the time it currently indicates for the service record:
11:12
